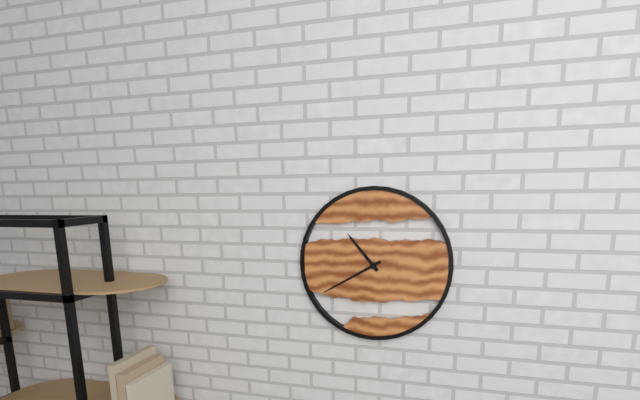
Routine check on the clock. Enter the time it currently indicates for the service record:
10:40
